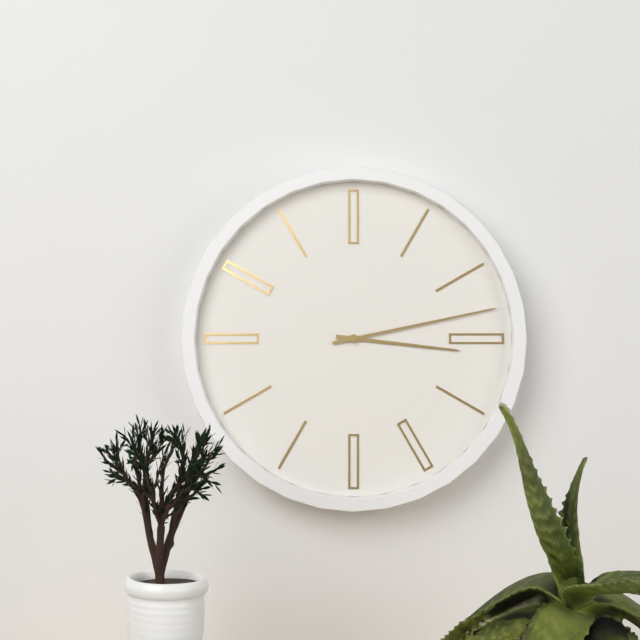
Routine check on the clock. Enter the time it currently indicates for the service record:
3:13
